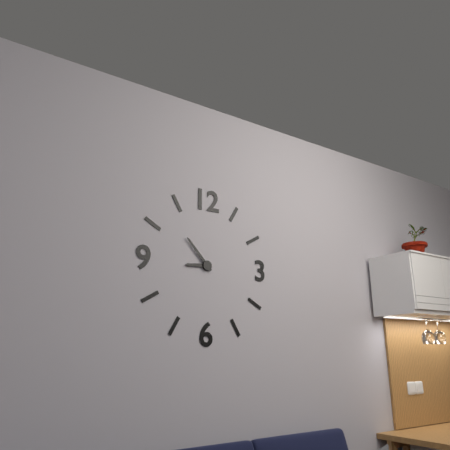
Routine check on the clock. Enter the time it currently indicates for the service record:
8:53
